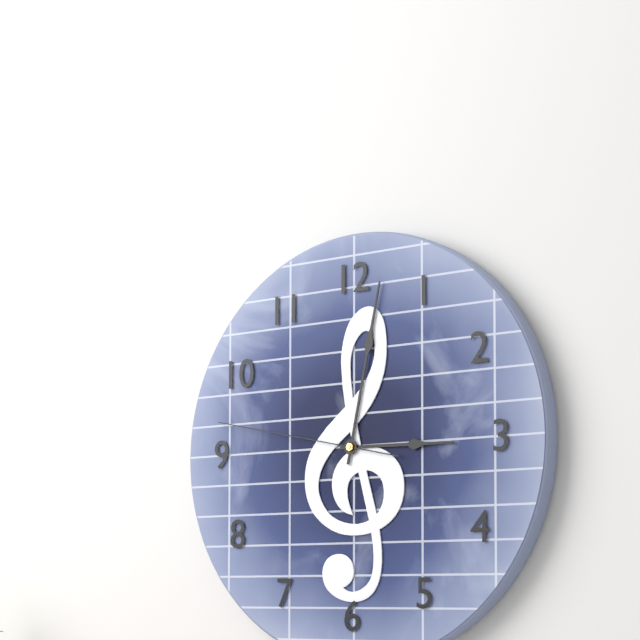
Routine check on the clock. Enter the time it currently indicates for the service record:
3:02:47
